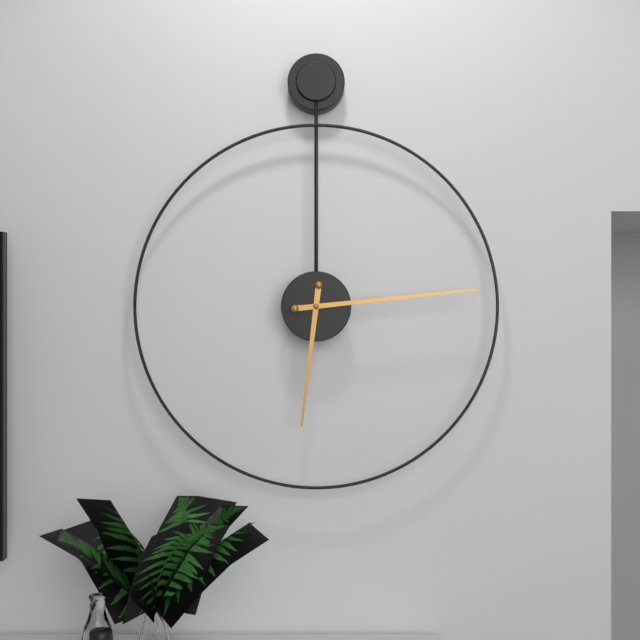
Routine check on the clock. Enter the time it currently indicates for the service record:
6:14
